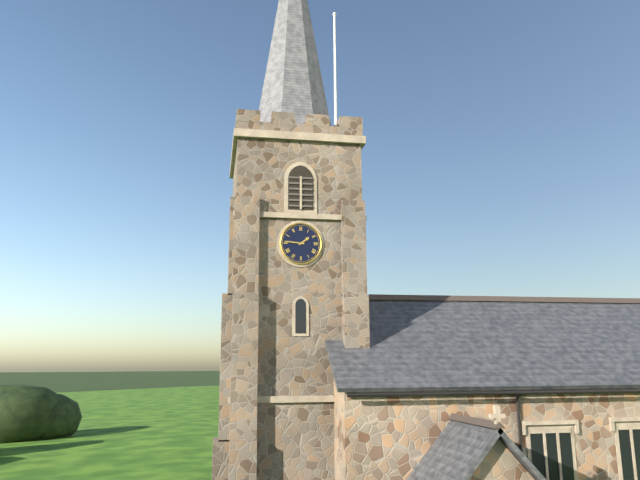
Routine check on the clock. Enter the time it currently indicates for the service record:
1:46
